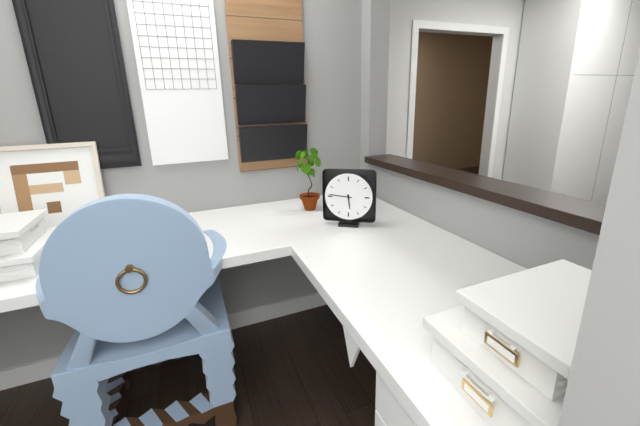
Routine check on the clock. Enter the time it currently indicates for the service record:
5:46
